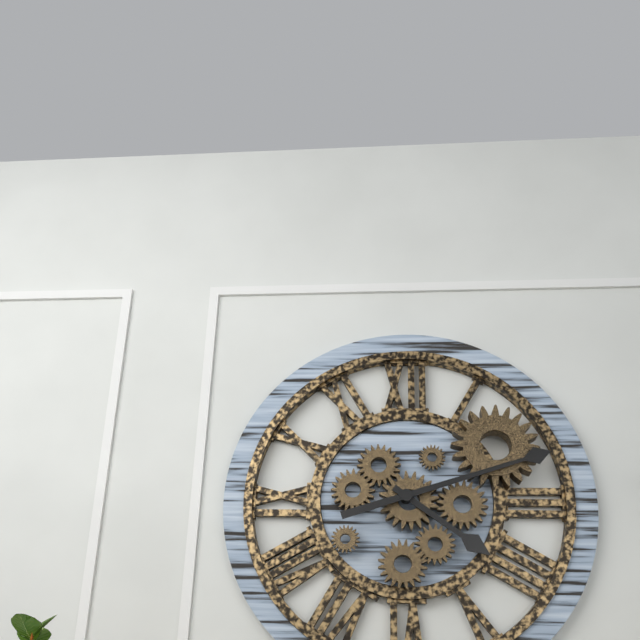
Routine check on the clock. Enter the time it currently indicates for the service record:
4:12
